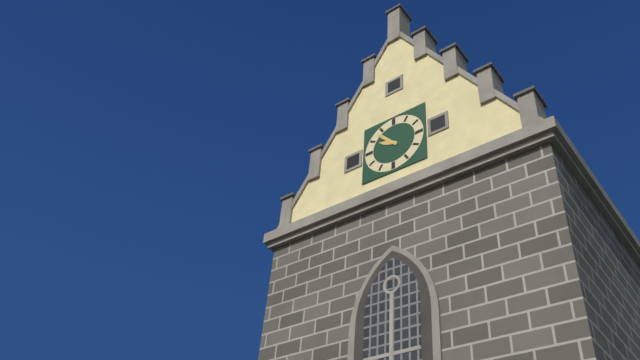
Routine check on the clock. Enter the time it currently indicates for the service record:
9:53
